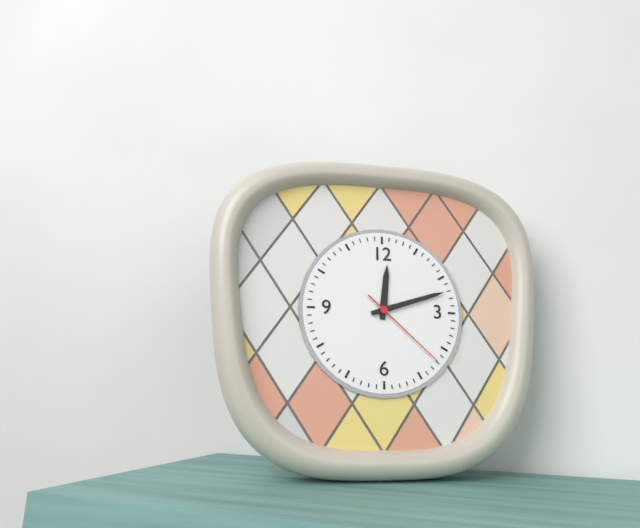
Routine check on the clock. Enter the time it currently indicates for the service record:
12:12:22
